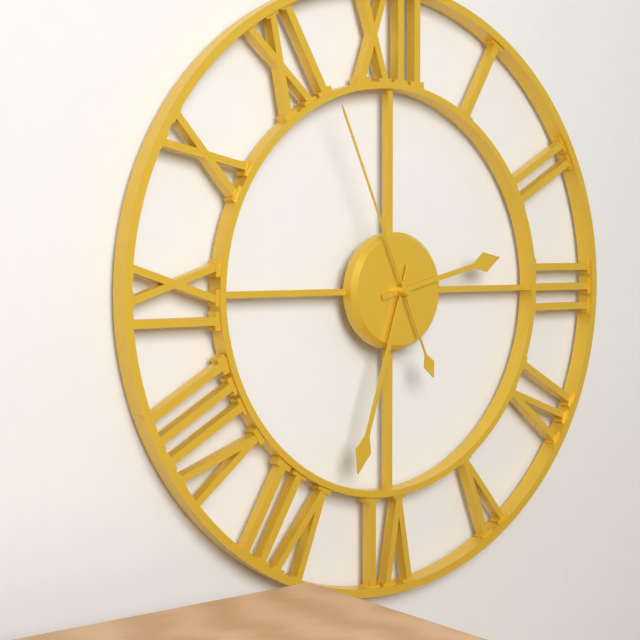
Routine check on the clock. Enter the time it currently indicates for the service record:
2:33:56
